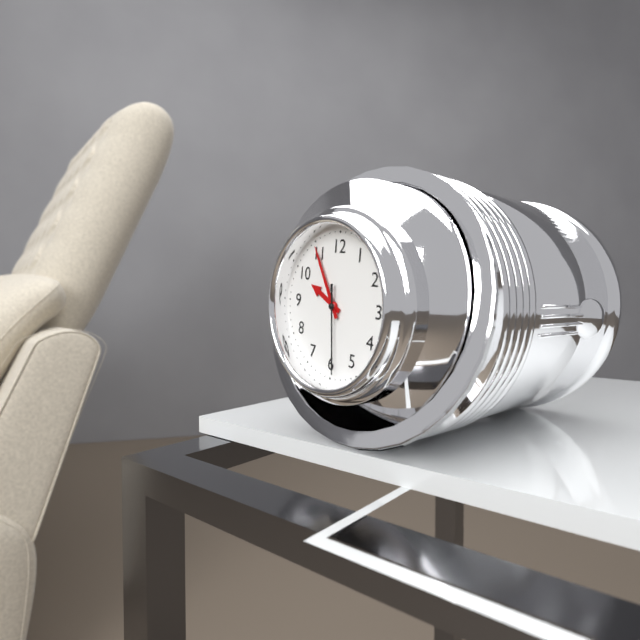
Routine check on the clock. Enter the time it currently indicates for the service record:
9:55:29
